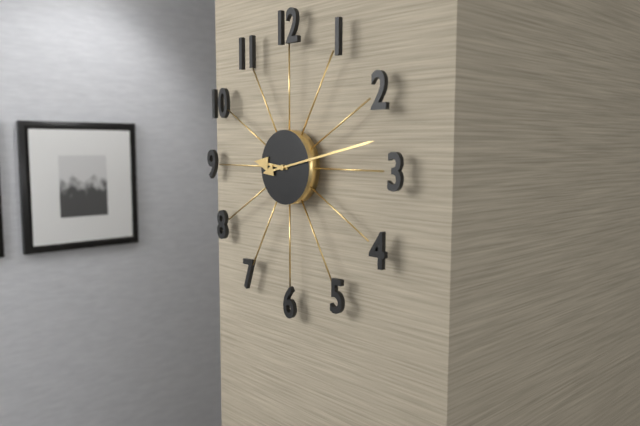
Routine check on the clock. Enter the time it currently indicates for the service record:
9:13
